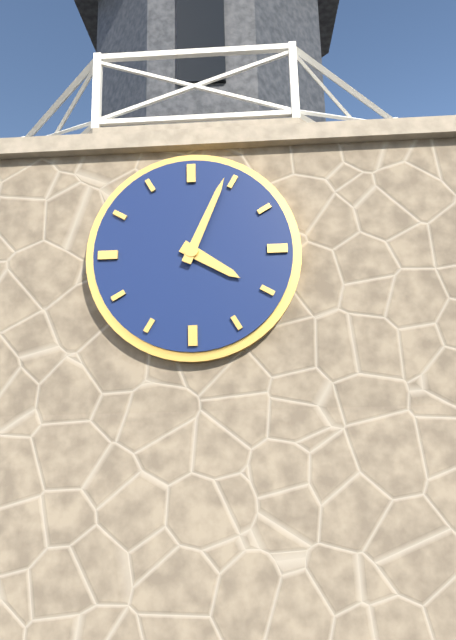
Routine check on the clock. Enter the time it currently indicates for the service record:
4:04
